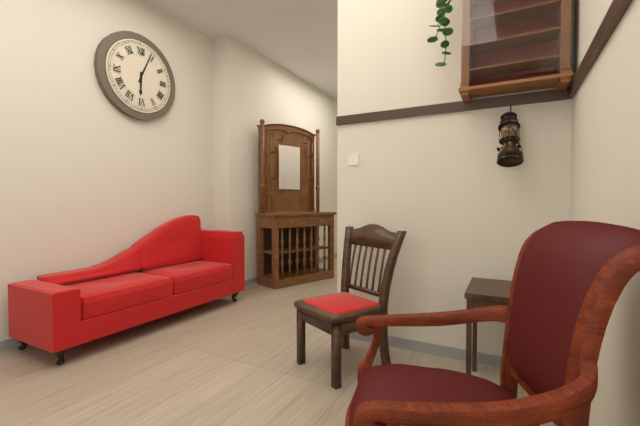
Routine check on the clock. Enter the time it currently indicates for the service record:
6:04
